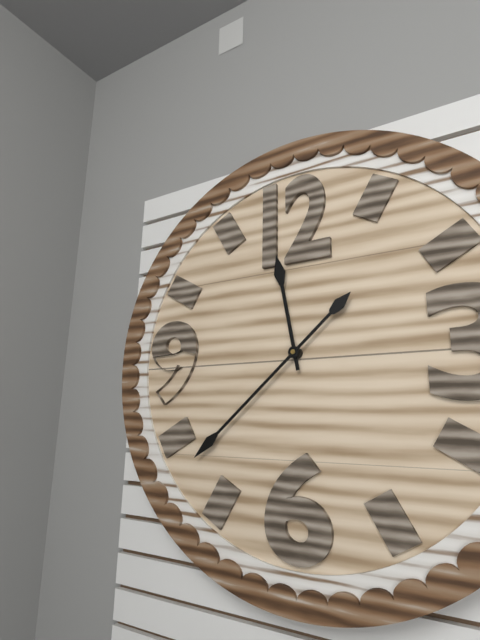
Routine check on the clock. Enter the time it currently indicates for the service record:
11:38
